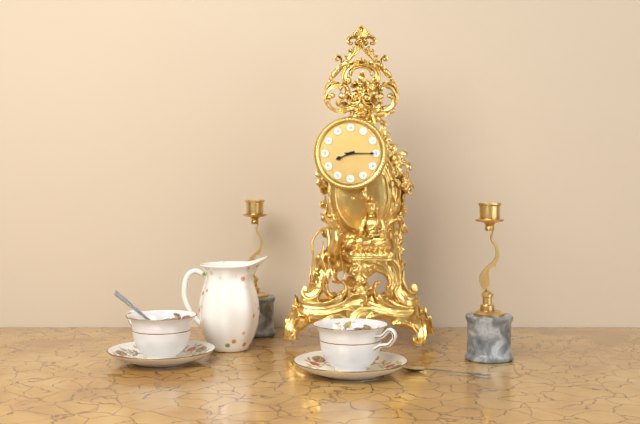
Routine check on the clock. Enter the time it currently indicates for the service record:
8:15
